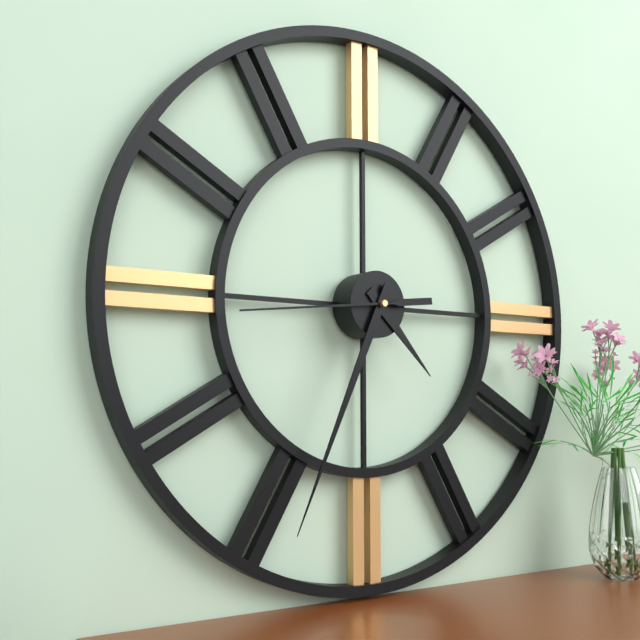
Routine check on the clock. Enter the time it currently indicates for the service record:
4:34:44
